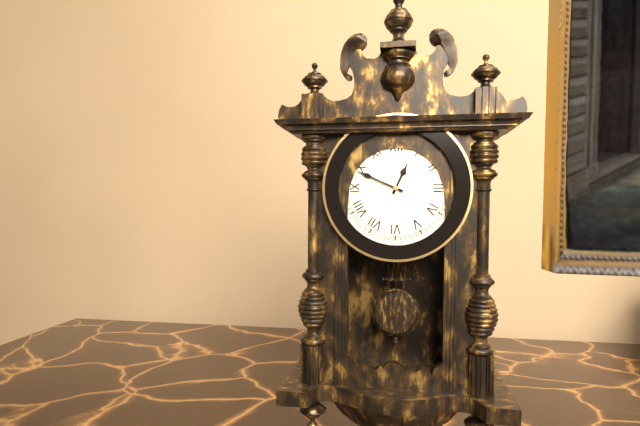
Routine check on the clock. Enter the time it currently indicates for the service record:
12:49
